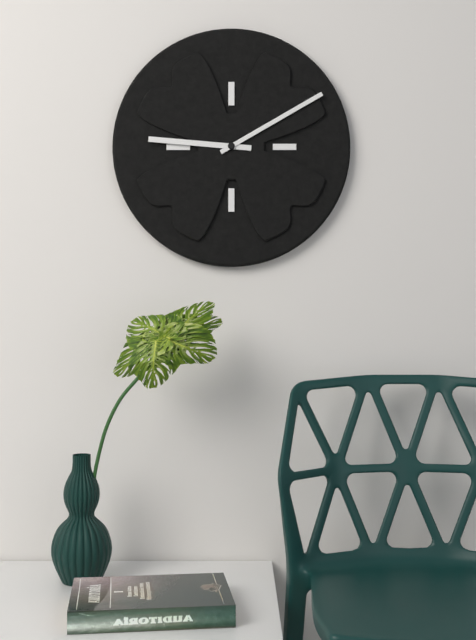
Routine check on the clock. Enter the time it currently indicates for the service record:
9:10
